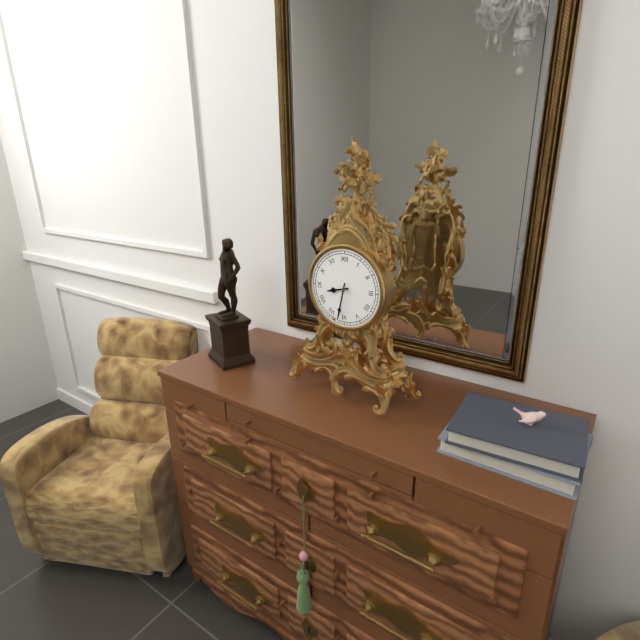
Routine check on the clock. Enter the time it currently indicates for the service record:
8:32
